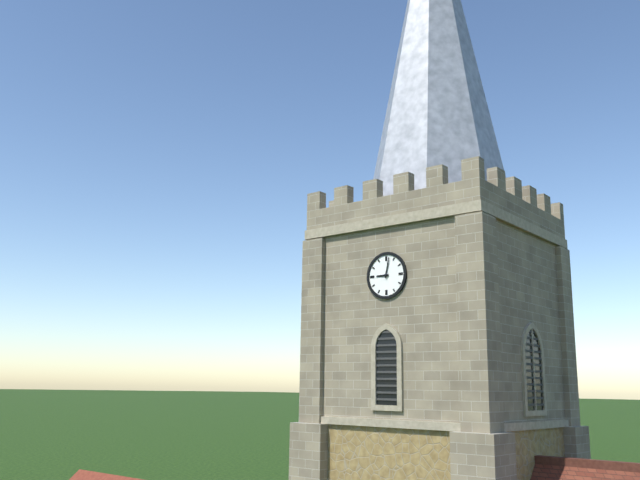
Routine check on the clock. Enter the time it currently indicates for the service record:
9:02
